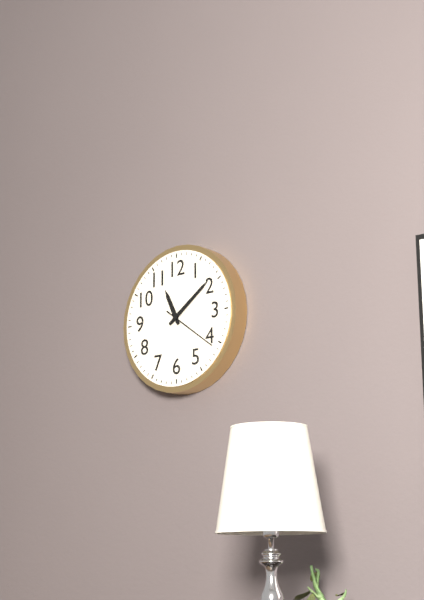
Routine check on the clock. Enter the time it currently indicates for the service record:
11:09:21
